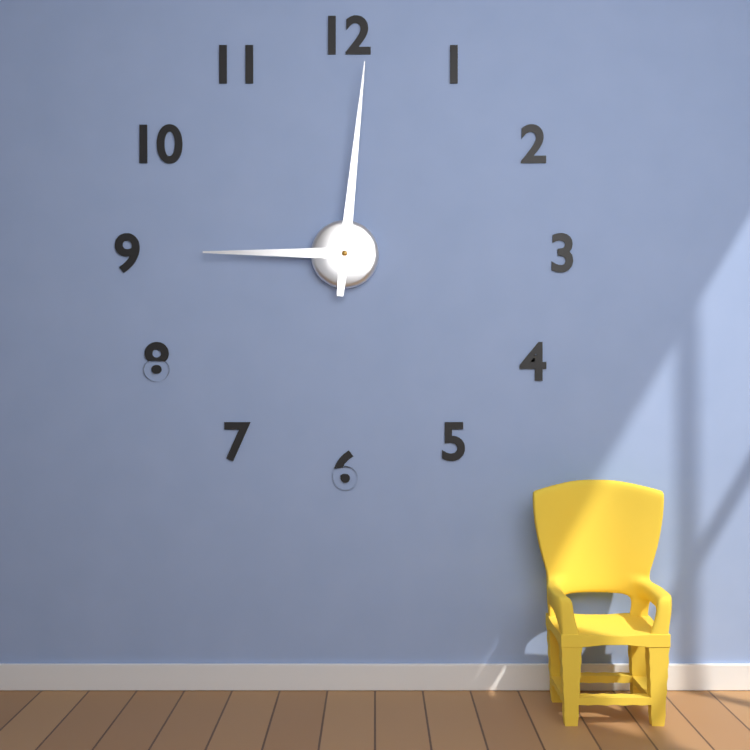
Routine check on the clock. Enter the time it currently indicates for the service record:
9:01
